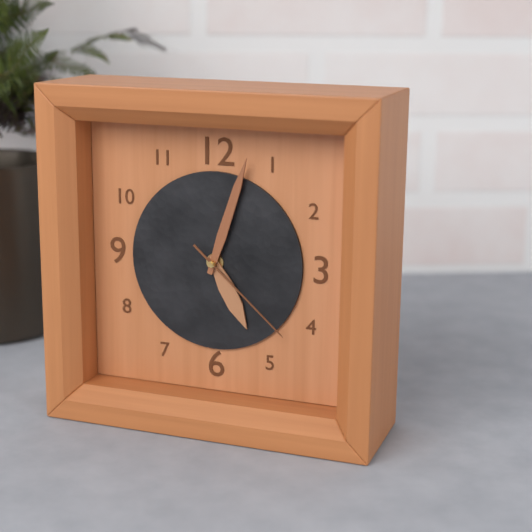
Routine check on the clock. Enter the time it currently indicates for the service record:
5:03:22
